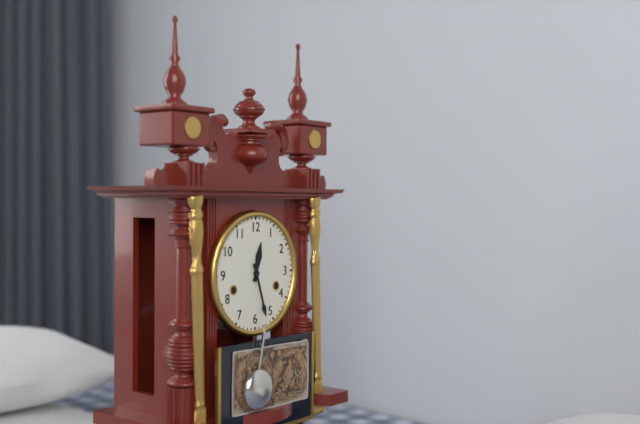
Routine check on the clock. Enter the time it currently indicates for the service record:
12:27
